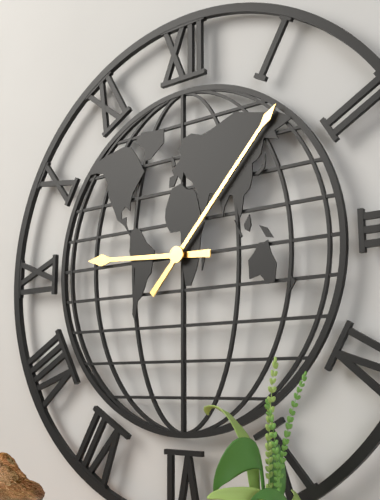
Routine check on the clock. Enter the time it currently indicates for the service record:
9:07
